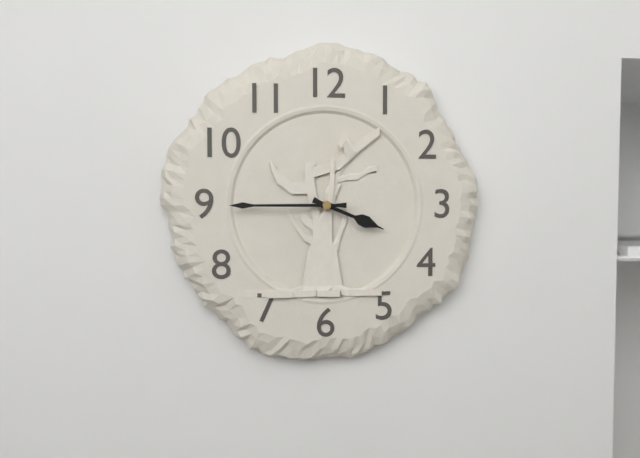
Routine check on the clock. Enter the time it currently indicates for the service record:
3:45
